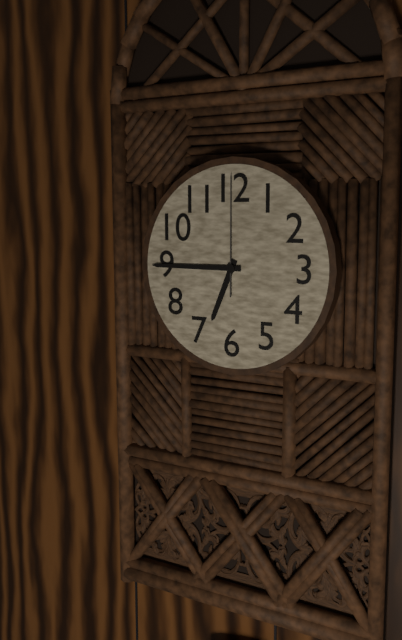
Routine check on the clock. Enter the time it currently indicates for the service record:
6:45:00
